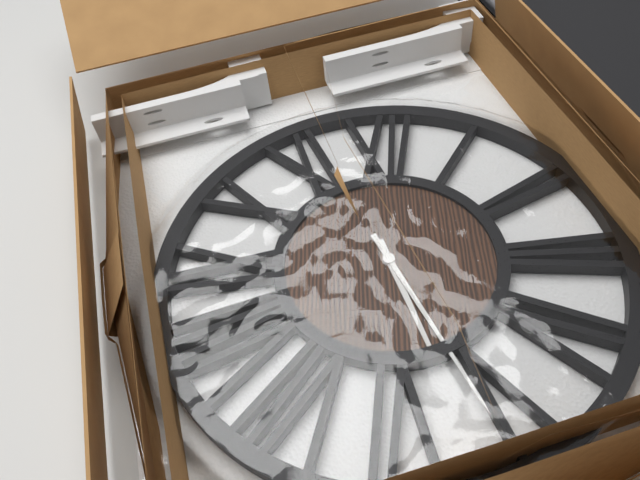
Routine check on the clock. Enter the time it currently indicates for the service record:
5:26
